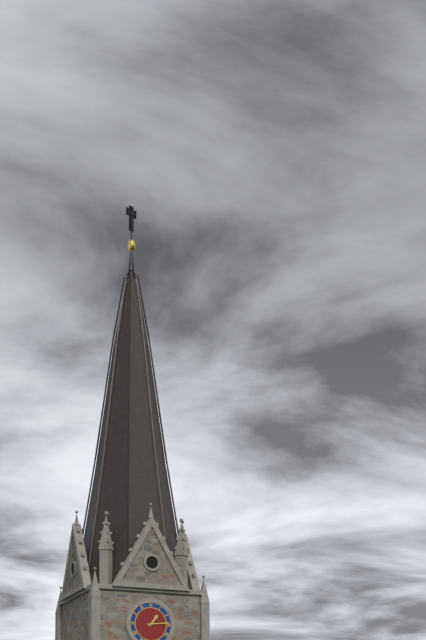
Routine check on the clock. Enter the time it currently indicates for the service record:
1:14
